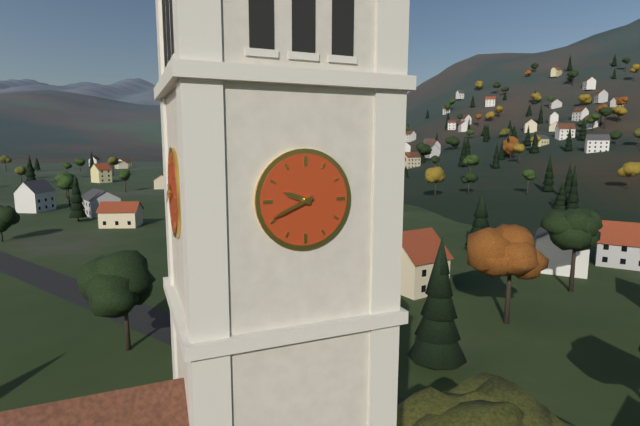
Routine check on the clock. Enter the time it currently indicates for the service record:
9:41
